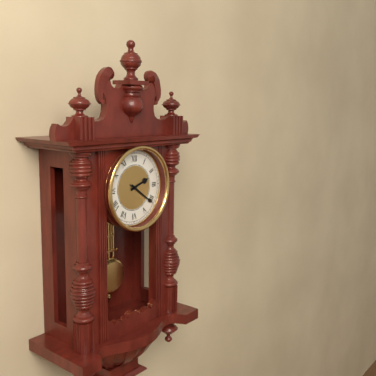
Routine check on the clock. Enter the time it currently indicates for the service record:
2:21
